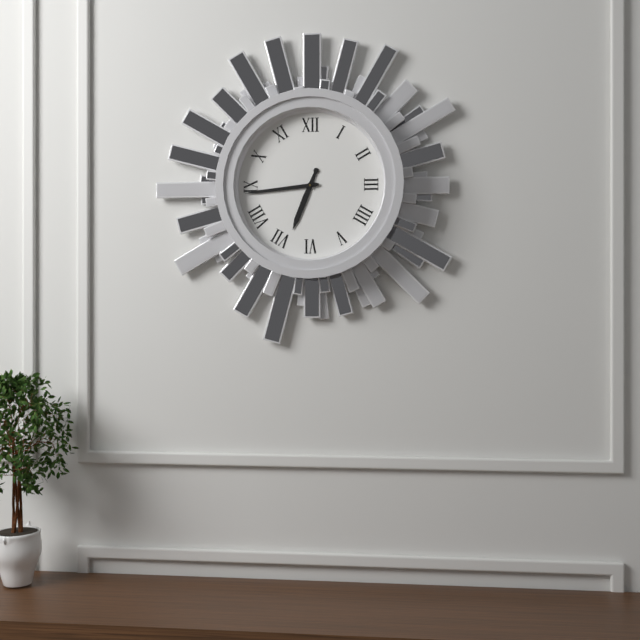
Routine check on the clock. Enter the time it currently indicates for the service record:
6:44
